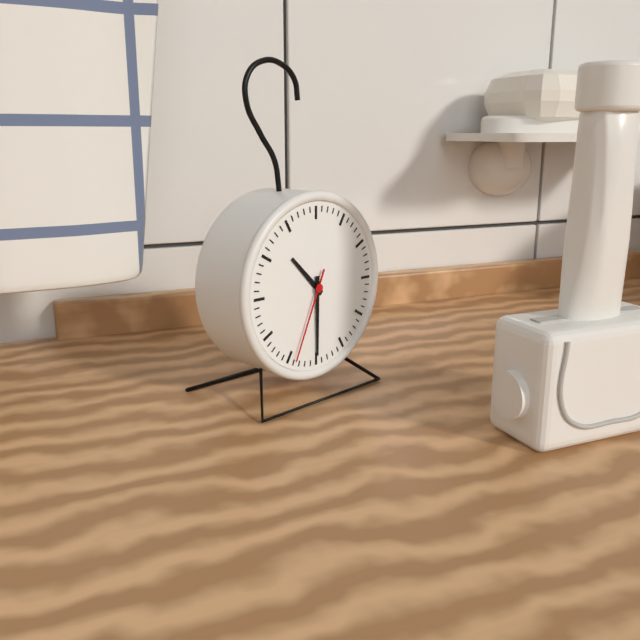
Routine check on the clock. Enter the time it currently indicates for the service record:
10:30:34
